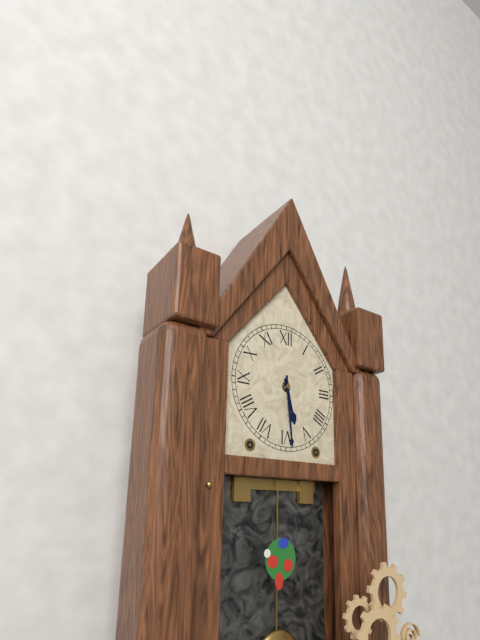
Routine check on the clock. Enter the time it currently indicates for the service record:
5:29
